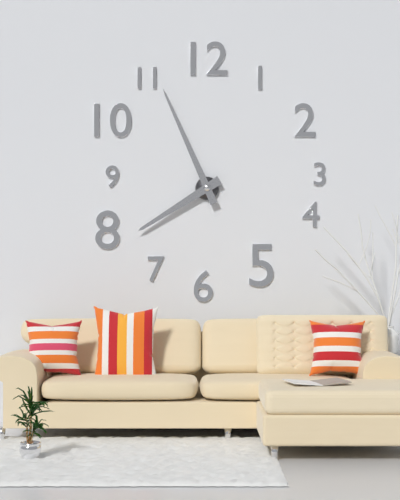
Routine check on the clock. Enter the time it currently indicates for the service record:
7:56
